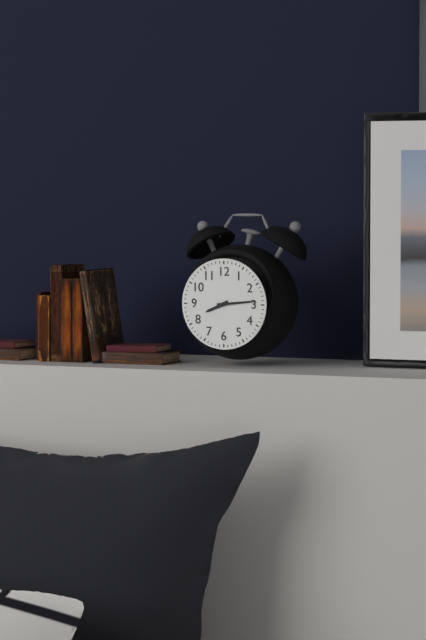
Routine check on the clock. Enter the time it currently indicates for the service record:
8:14
